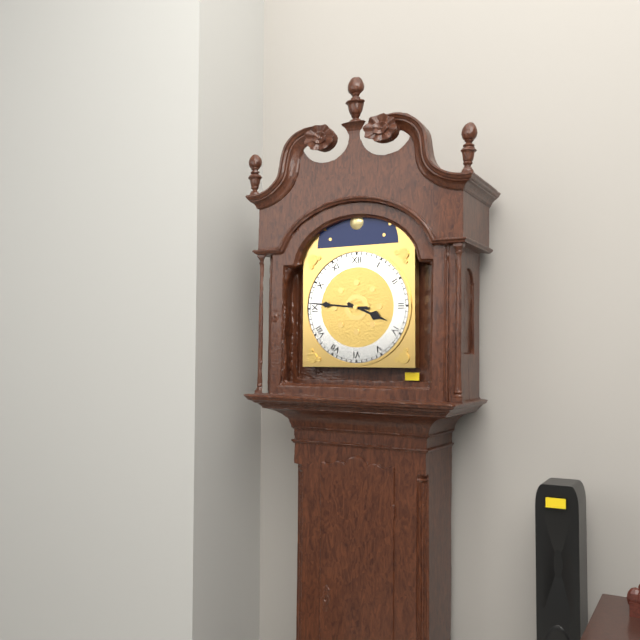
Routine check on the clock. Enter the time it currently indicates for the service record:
3:46
